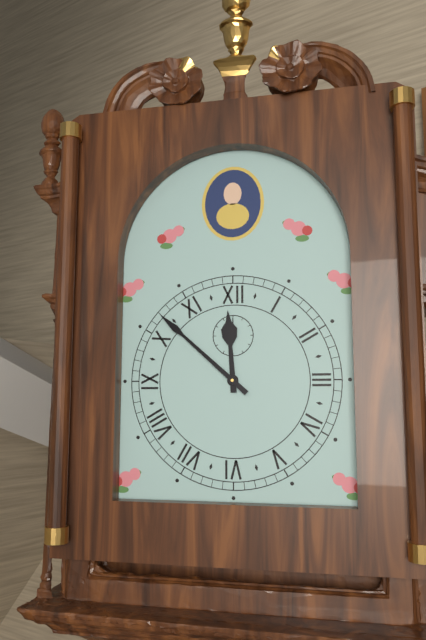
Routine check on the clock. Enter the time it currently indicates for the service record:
11:52
